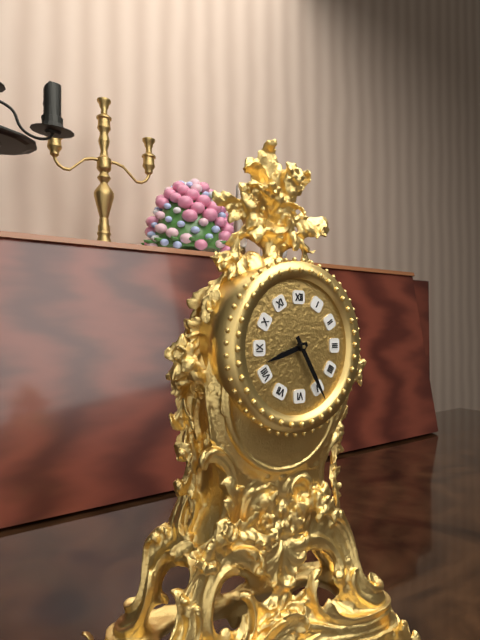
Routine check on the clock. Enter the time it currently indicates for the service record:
8:25
